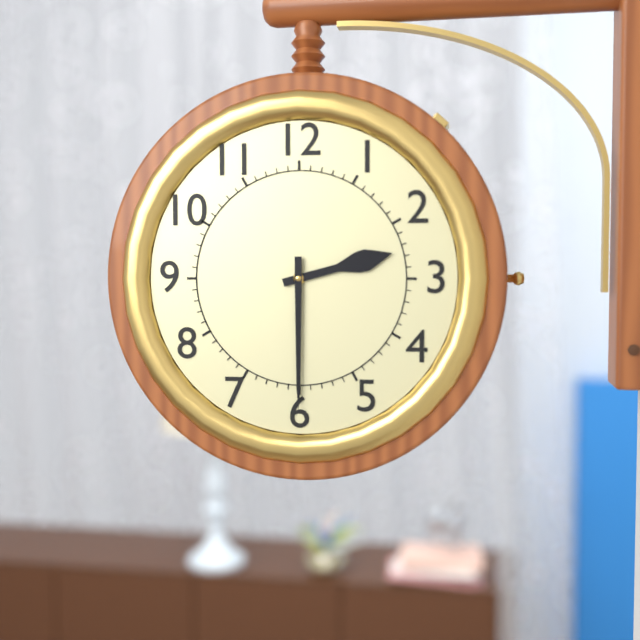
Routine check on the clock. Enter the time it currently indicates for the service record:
2:30
